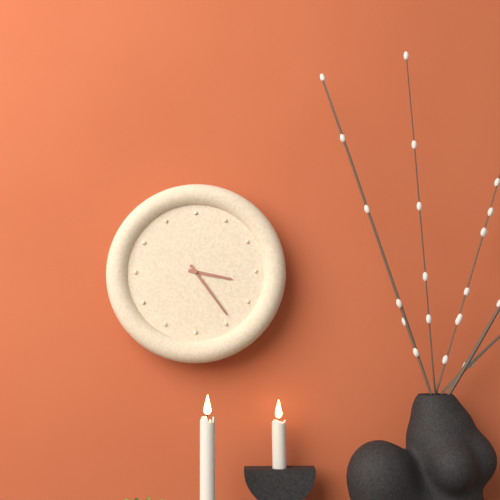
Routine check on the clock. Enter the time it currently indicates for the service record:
3:24
